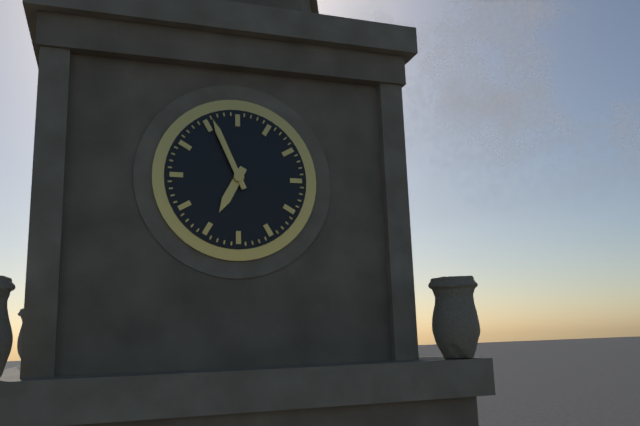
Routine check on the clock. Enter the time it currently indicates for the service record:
6:56
